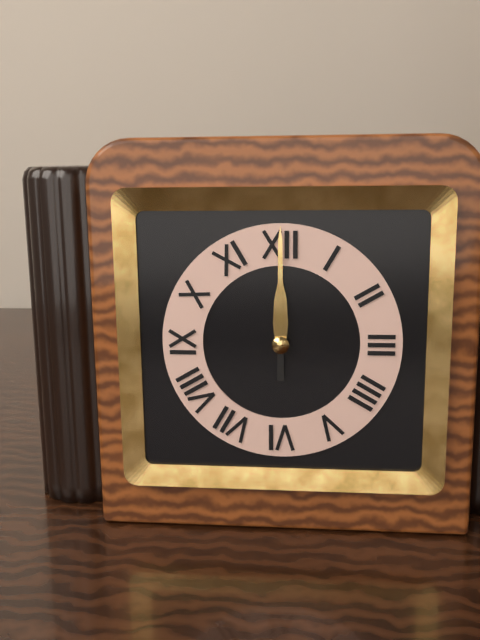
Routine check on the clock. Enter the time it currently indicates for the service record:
12:00
